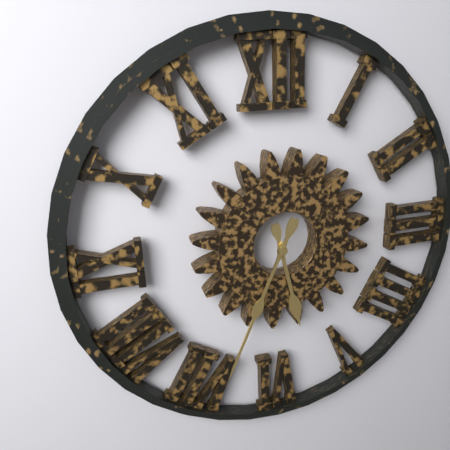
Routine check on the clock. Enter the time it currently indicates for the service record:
5:34
